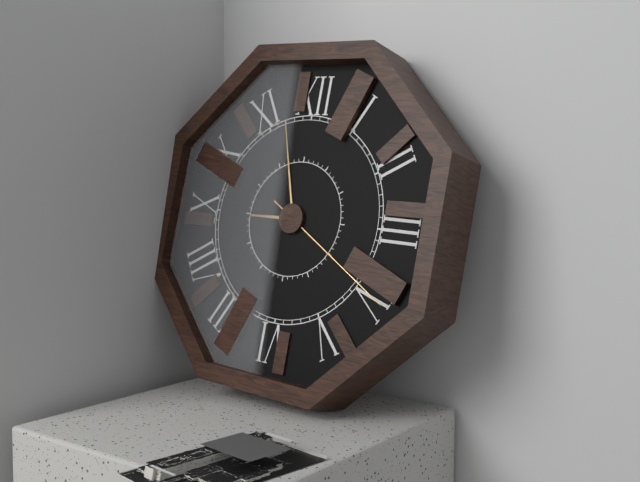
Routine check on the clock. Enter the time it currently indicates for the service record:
8:57:20
